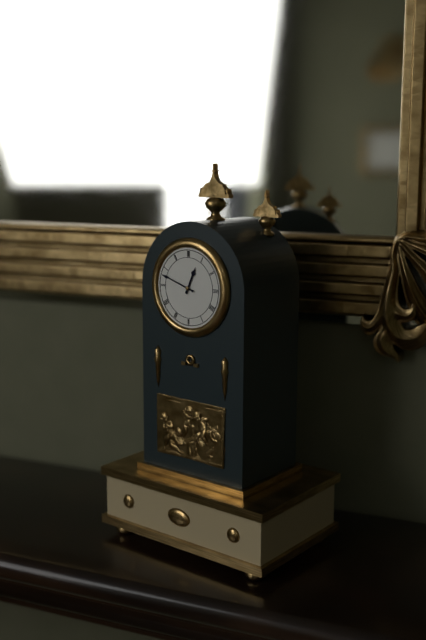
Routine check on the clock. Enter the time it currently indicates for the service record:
12:48
